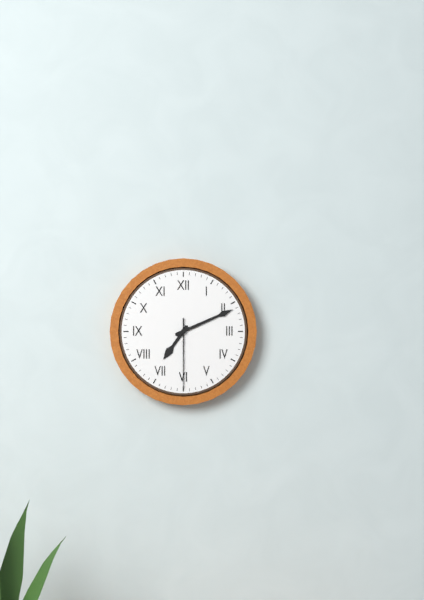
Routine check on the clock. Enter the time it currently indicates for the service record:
7:11:30
